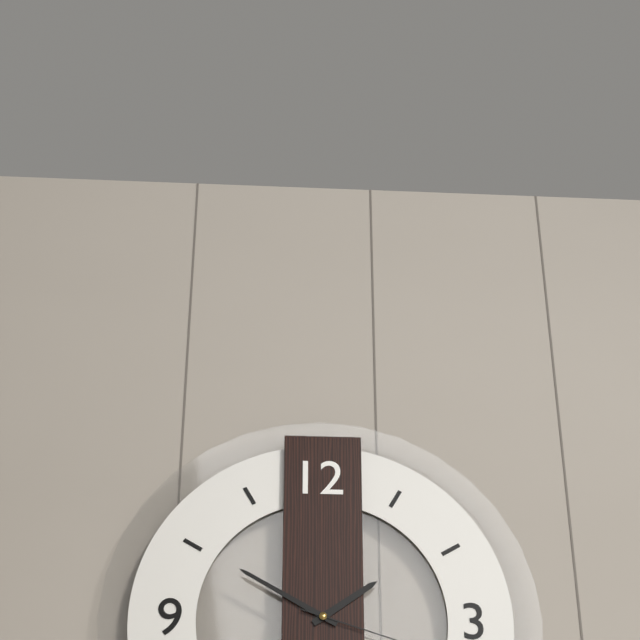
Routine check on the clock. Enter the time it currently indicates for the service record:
1:50
